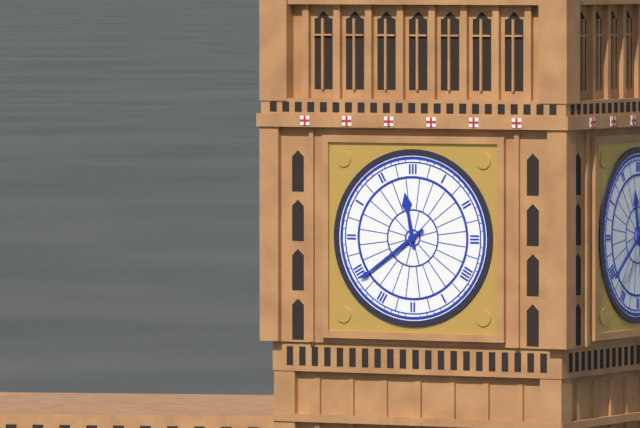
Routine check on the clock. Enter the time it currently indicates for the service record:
11:39
